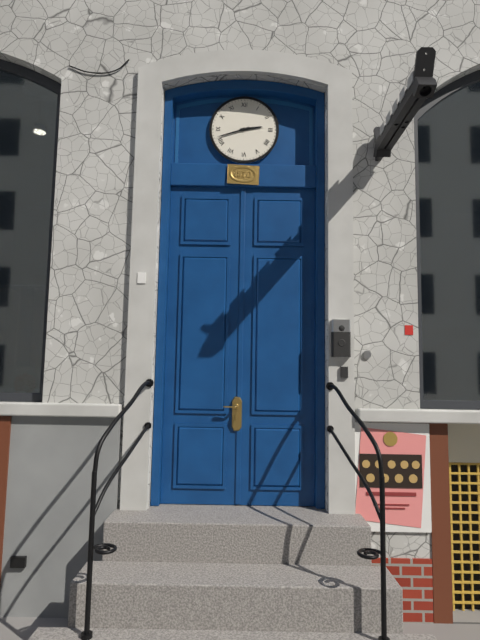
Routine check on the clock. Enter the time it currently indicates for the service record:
2:42
